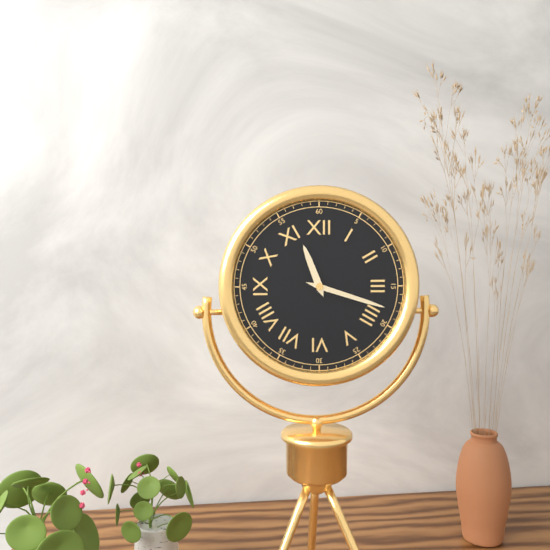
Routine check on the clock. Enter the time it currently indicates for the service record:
11:18
